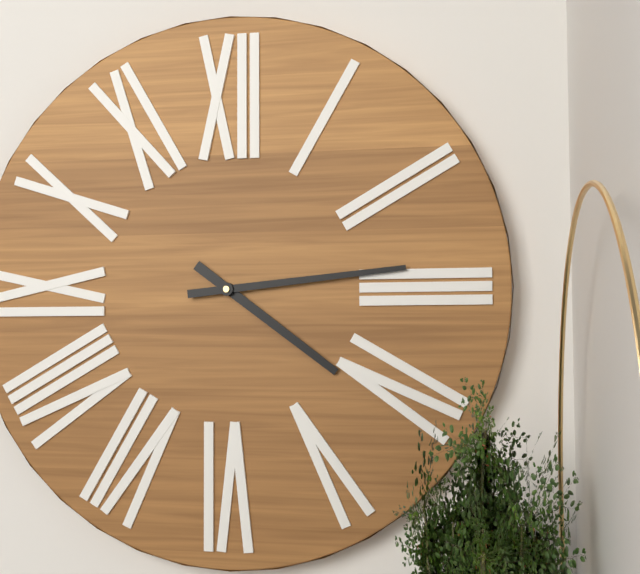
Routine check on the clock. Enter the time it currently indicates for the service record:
4:14
